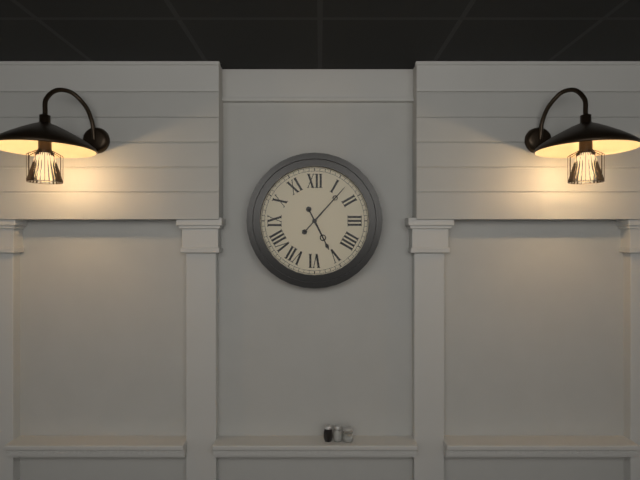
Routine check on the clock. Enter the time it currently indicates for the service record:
5:07
